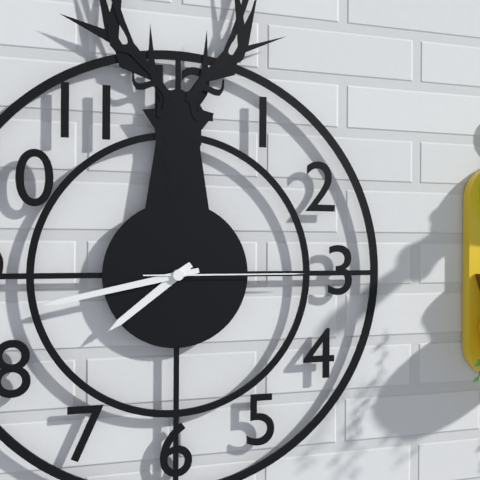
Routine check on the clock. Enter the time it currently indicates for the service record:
7:43:15
